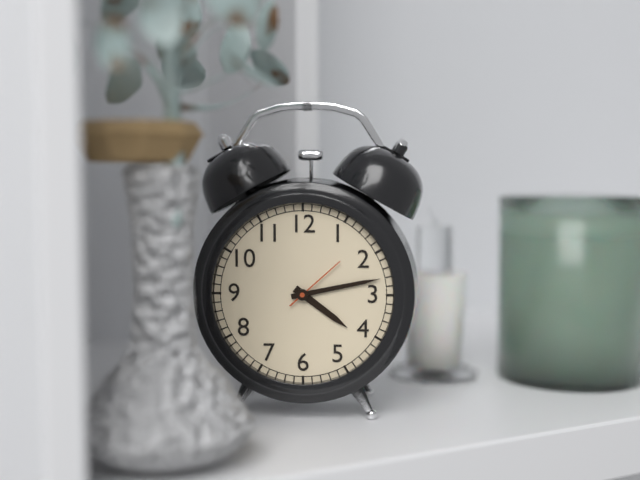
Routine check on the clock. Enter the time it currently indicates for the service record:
4:13:08
